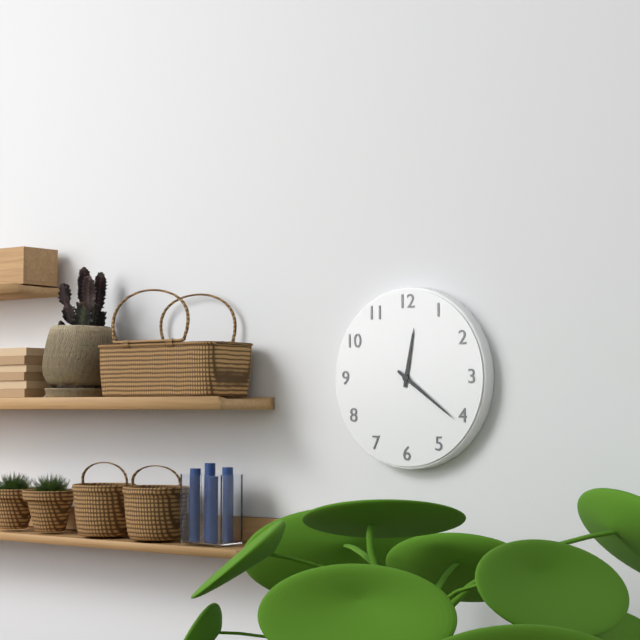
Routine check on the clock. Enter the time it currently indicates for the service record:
12:21
